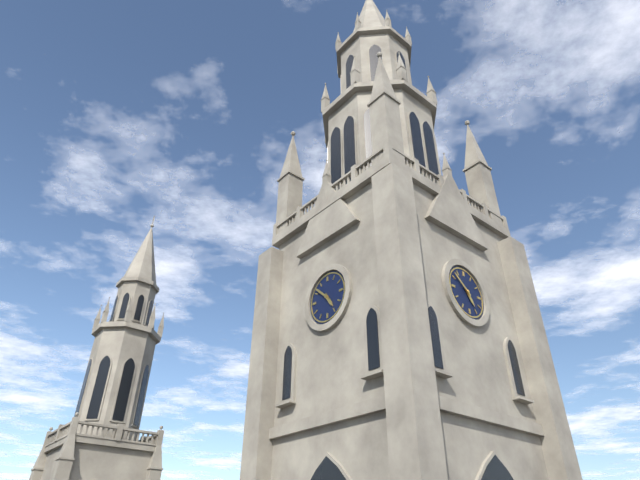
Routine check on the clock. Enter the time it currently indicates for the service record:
4:52
